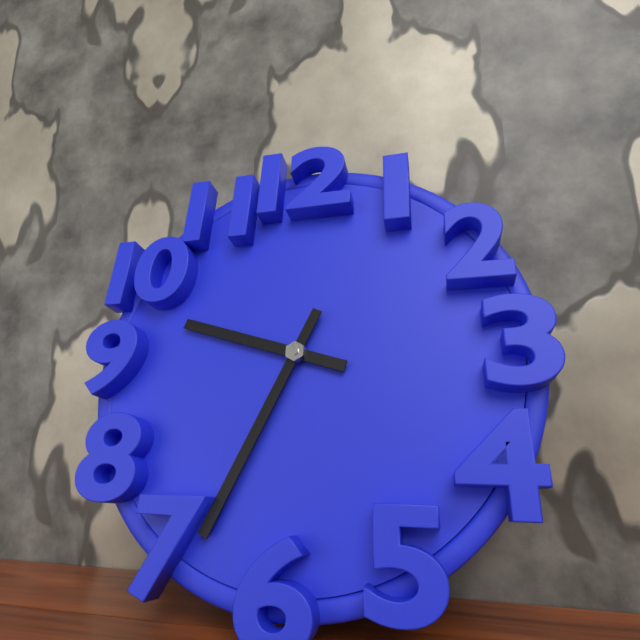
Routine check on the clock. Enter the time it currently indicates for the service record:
9:34
